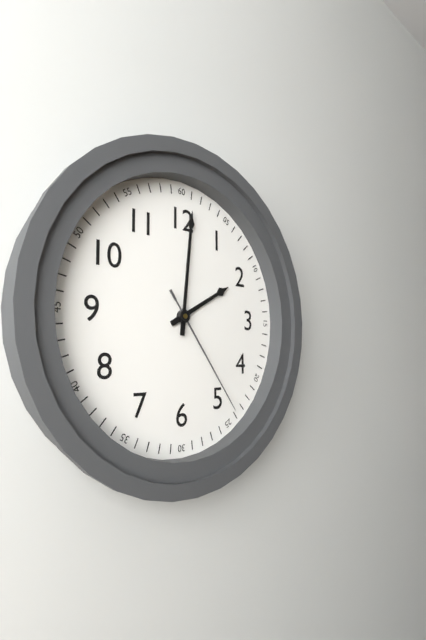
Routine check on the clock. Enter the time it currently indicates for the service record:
2:01:24
